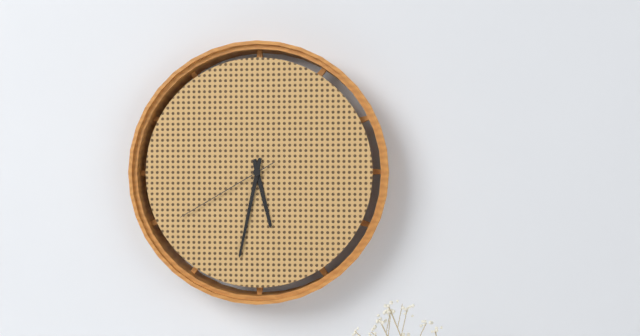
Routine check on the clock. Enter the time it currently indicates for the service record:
5:32:40
